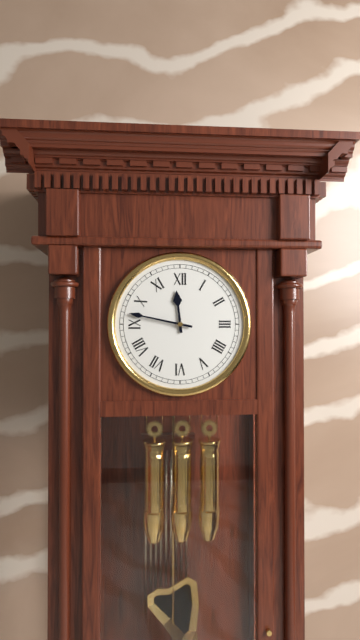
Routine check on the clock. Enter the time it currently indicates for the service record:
11:47
